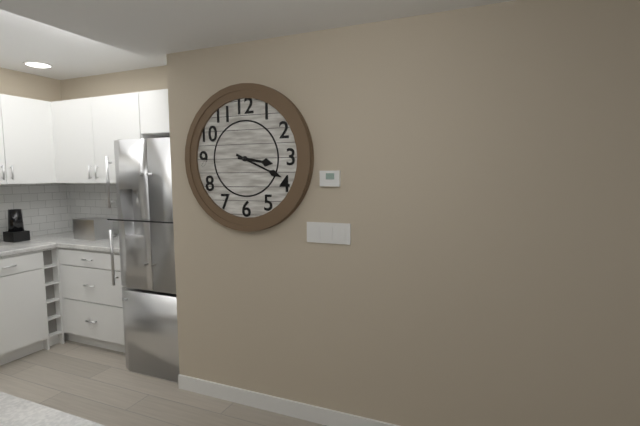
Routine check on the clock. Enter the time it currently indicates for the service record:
3:19
